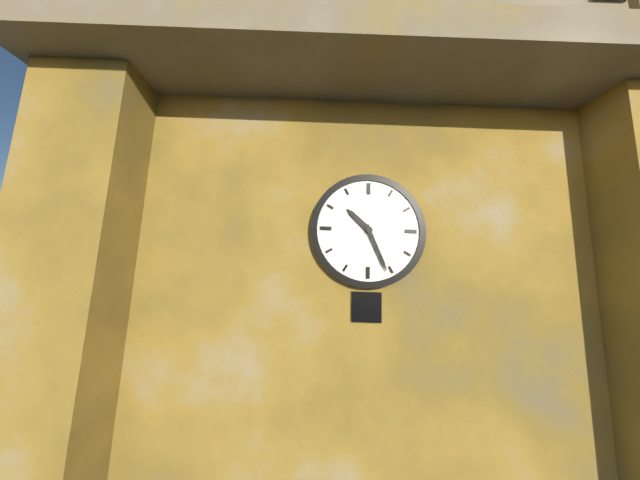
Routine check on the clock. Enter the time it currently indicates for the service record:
10:26
